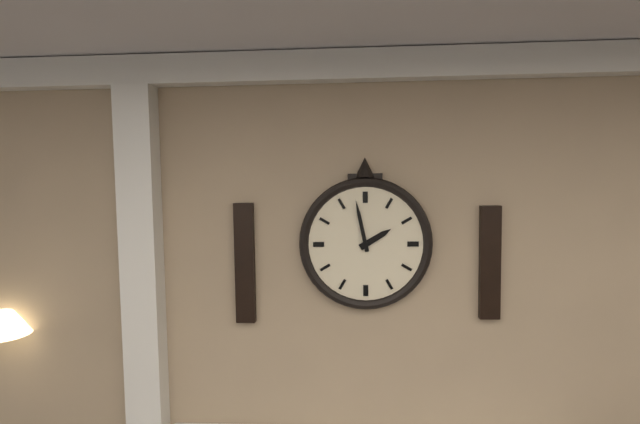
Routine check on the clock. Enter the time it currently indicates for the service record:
1:58
